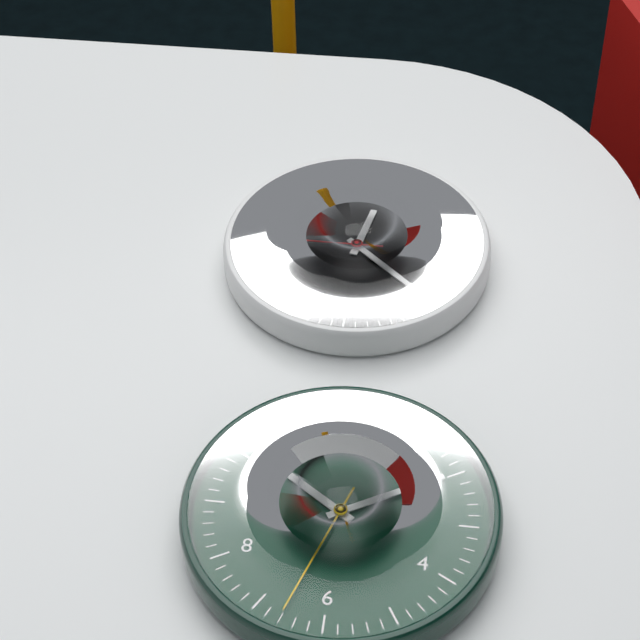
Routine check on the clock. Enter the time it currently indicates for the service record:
12:22:45
